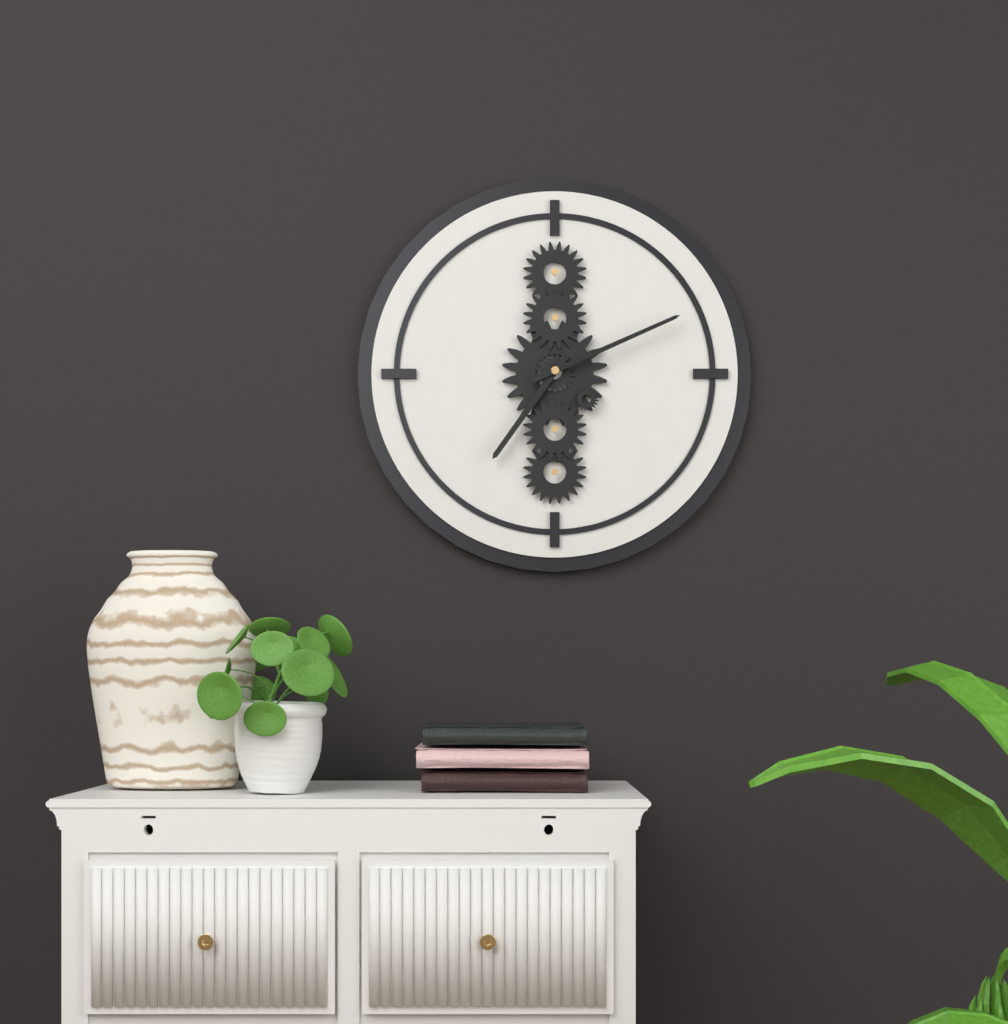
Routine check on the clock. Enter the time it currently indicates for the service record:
7:11
